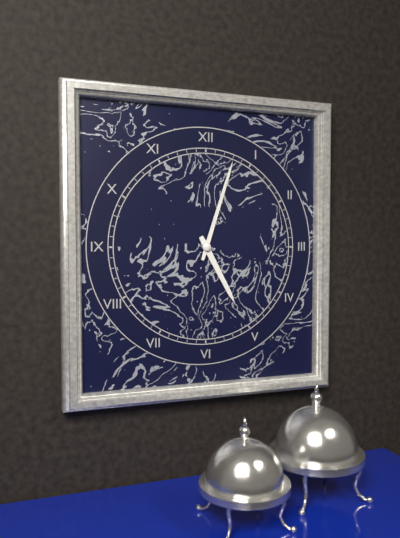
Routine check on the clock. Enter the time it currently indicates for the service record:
5:03
